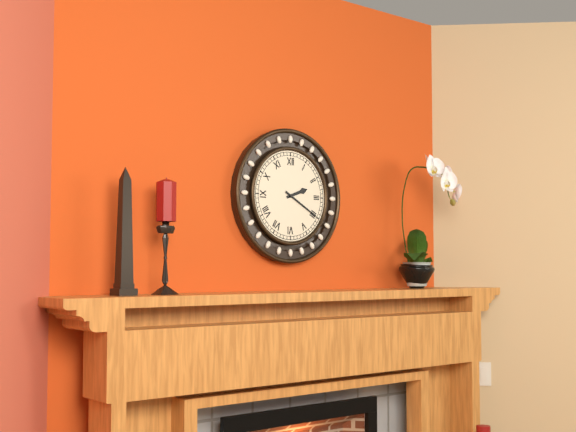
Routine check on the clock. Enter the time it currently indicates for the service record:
2:20
